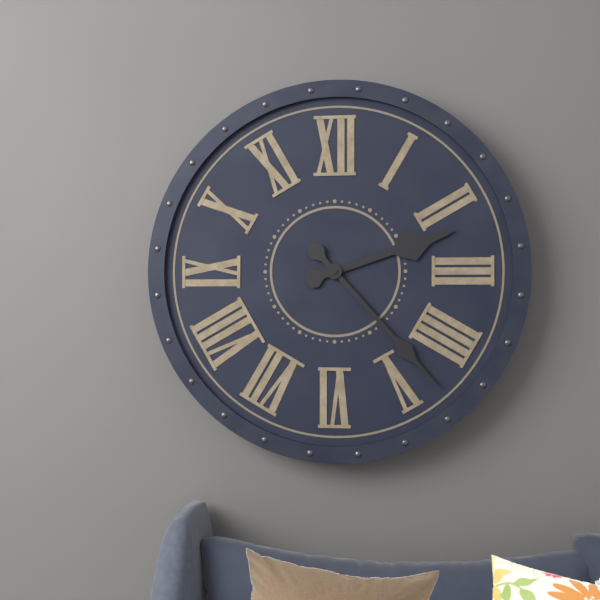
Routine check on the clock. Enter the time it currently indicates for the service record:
2:23
